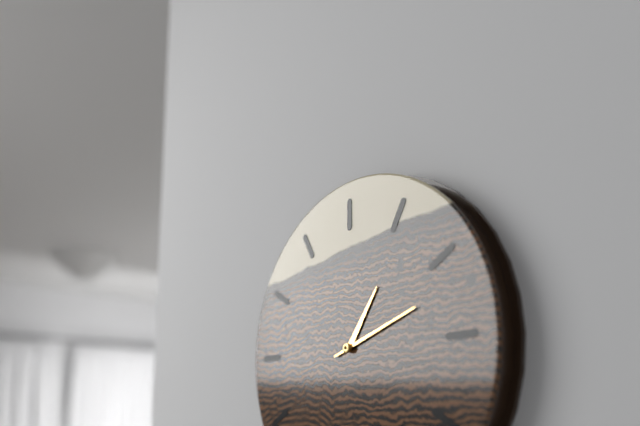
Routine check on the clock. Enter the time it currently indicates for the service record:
1:12
